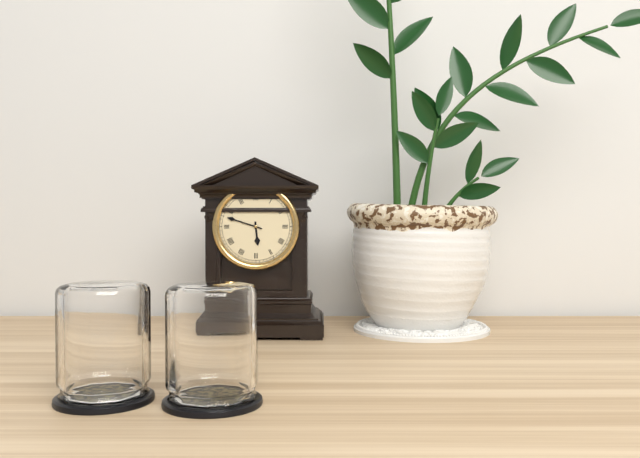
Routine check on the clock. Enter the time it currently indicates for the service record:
5:48
